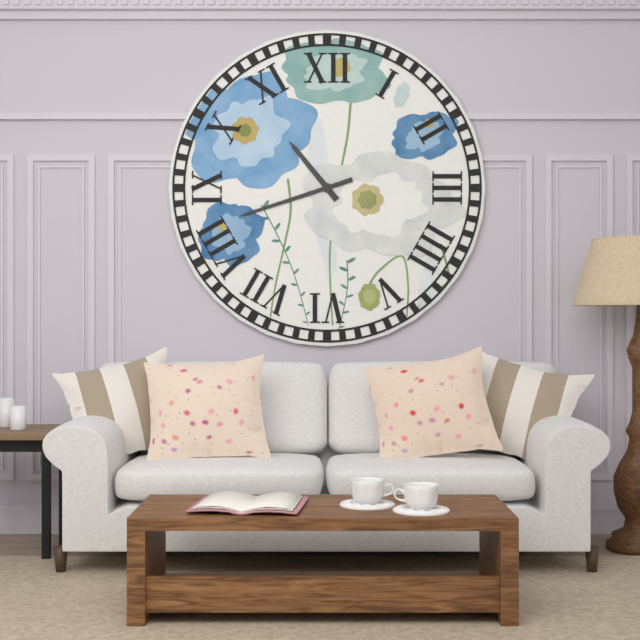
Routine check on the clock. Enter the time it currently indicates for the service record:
10:42
